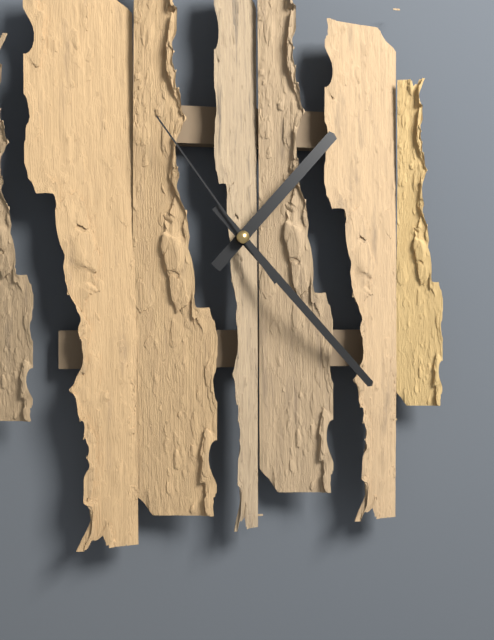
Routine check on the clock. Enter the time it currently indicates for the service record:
1:23:54
